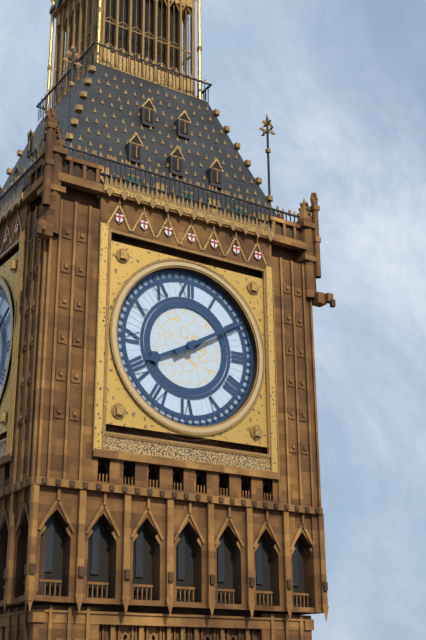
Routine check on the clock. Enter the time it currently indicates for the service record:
8:10
